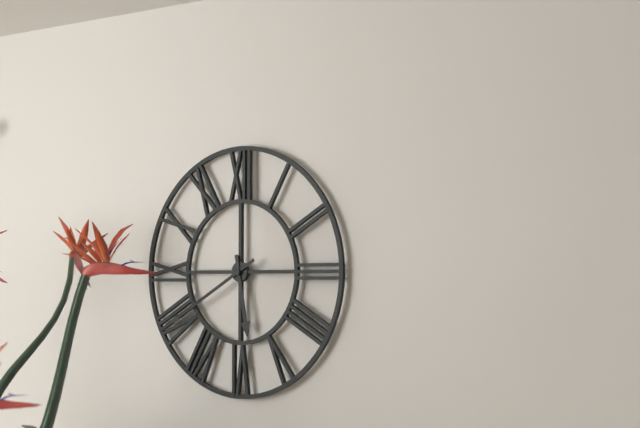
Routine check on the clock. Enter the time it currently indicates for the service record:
5:40
